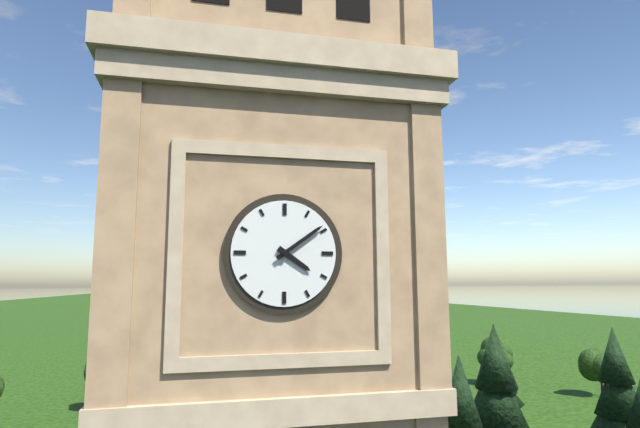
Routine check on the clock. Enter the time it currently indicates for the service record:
4:09
